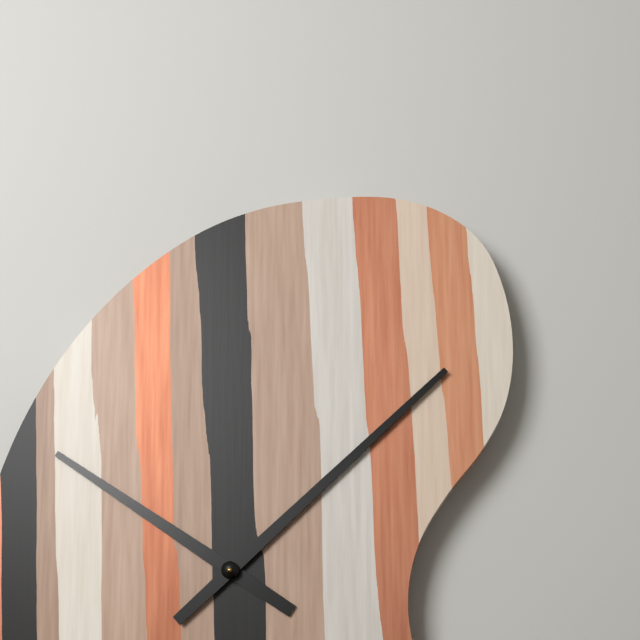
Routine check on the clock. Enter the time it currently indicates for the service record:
10:08
